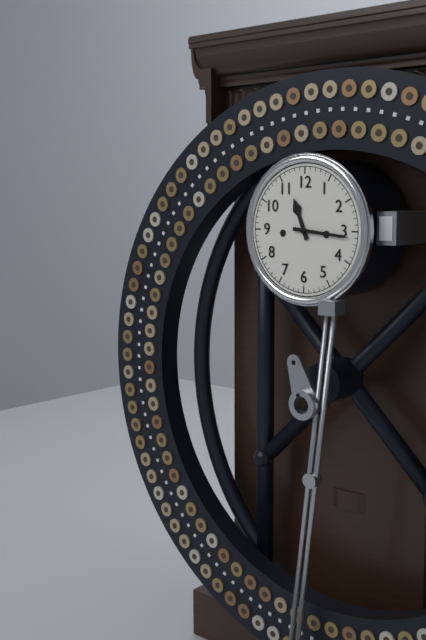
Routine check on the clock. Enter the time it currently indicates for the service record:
11:16
